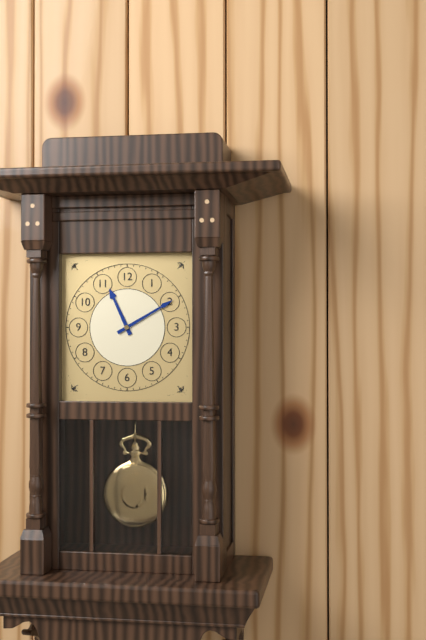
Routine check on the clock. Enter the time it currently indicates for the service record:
11:10
